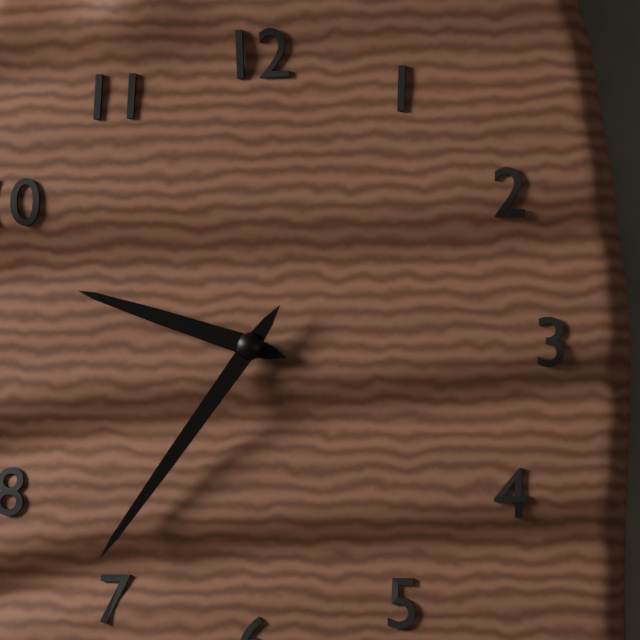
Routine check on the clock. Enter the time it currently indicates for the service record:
9:36
